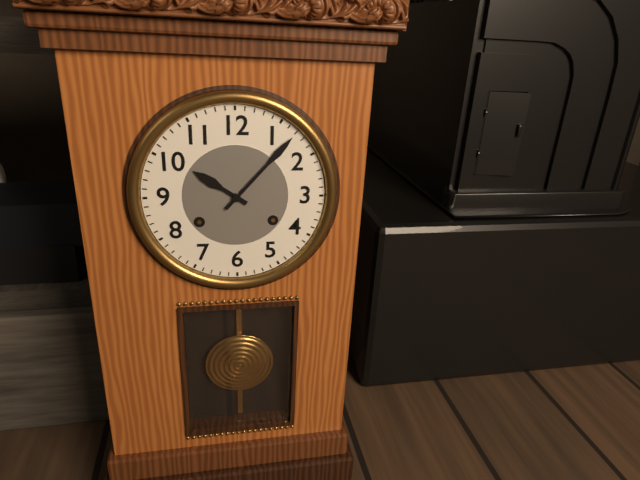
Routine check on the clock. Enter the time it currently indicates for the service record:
10:07
